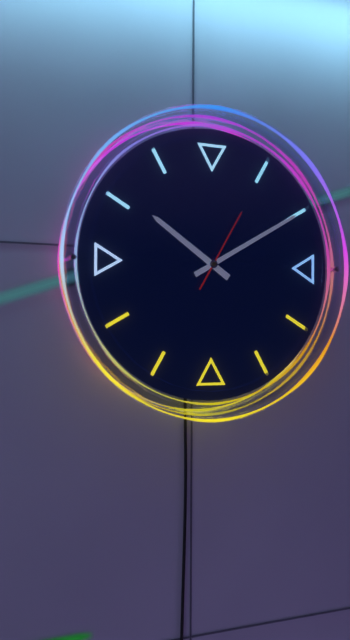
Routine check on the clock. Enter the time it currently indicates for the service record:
10:10:05
